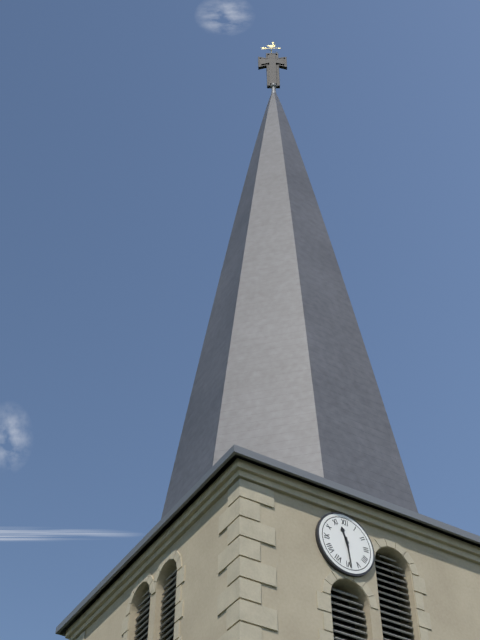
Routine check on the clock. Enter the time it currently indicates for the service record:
11:29
